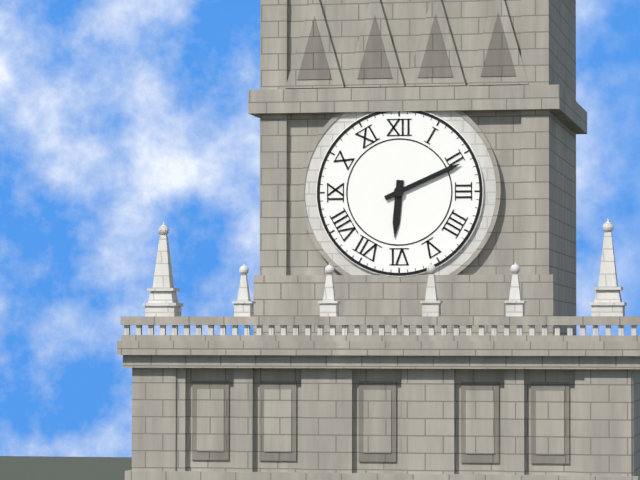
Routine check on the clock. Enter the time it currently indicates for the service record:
6:11
